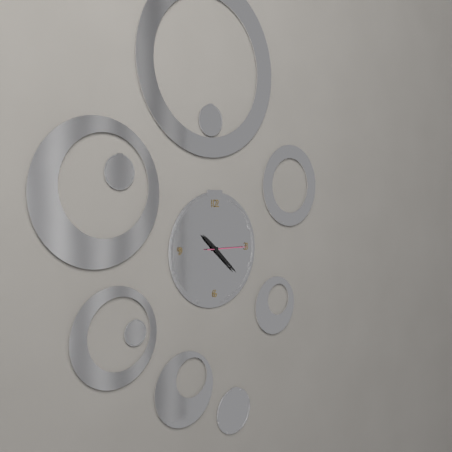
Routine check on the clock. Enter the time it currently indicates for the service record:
10:22
